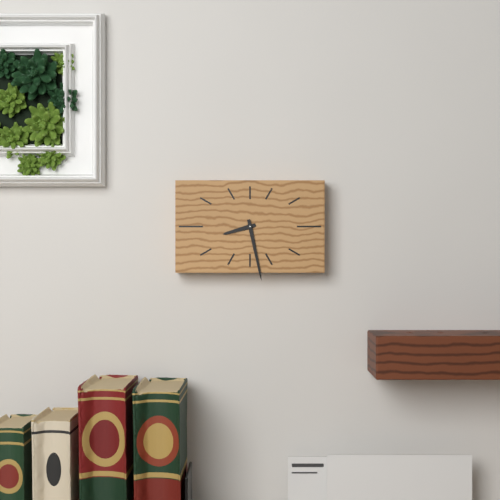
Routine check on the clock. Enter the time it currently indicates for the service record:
8:28
